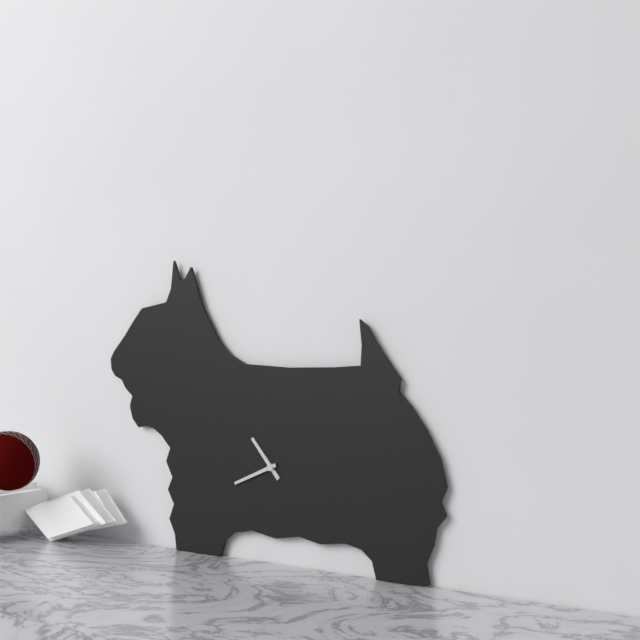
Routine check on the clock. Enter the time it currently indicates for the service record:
10:41
